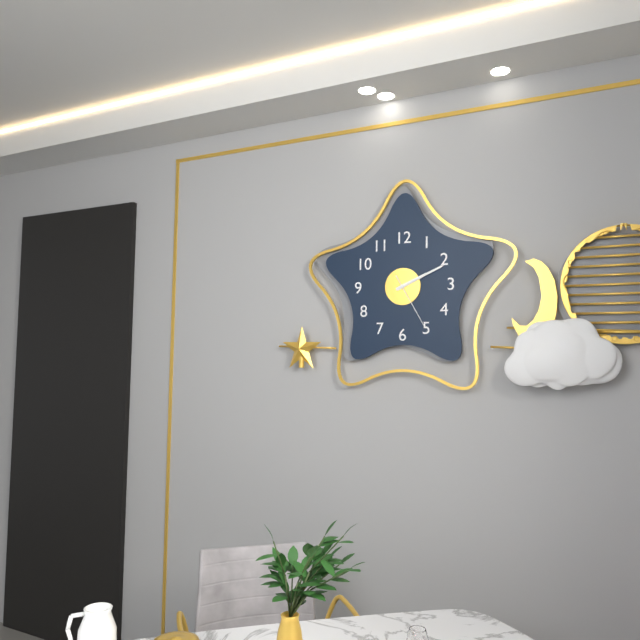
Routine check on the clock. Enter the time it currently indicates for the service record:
2:11:25
